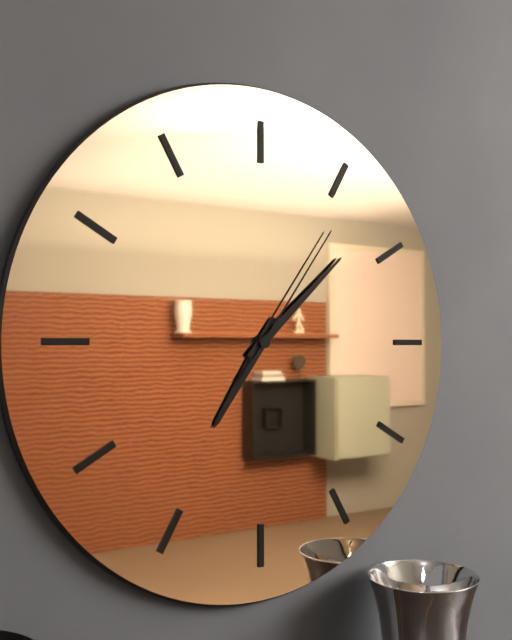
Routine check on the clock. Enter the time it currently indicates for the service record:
7:08:06
